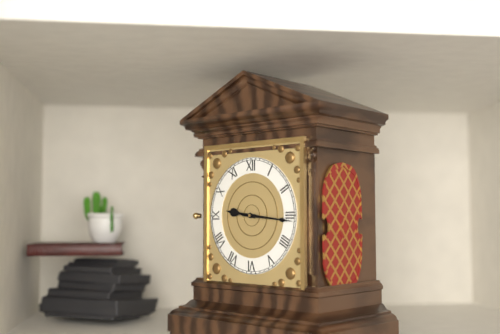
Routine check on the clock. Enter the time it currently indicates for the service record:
9:16
